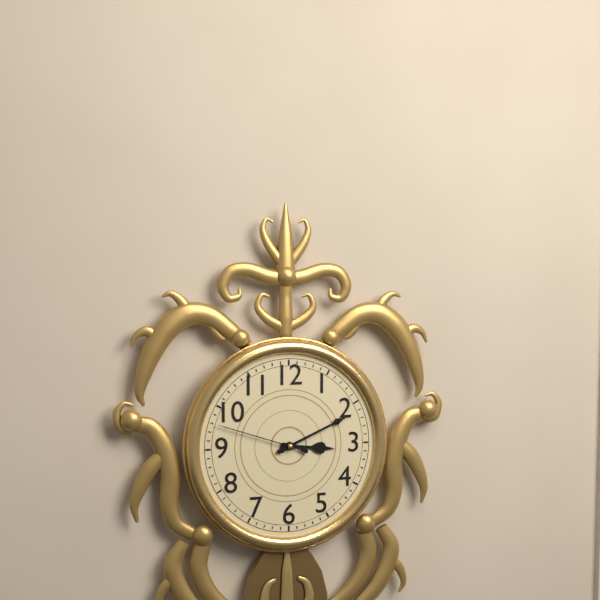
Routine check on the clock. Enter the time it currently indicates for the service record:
3:11:48
